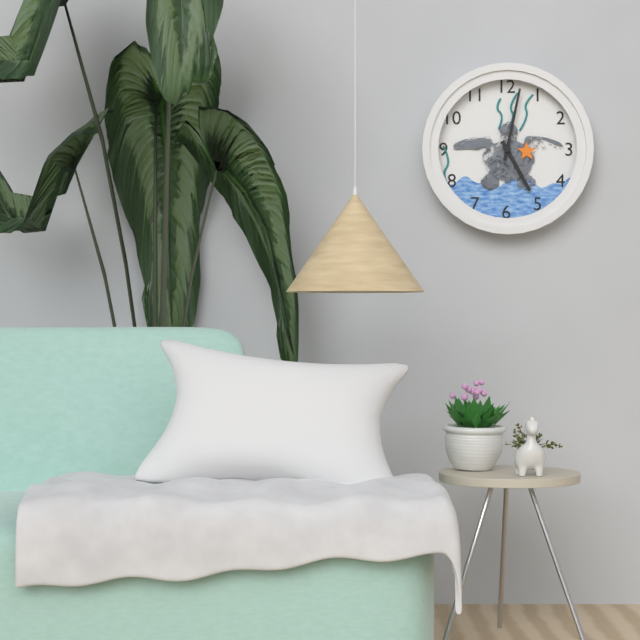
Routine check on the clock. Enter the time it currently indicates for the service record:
5:02
